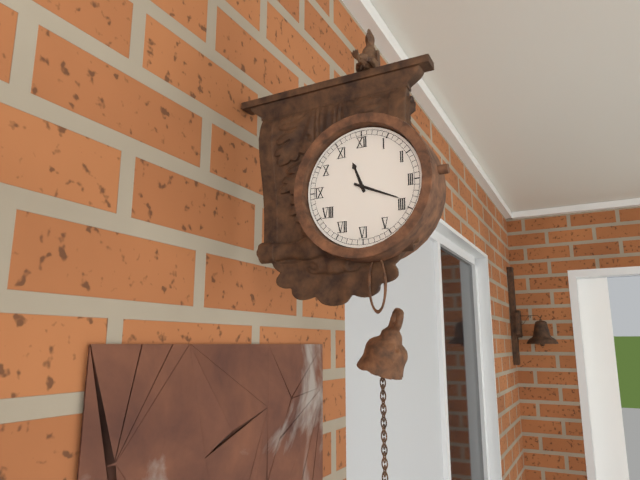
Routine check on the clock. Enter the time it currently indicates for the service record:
11:19
